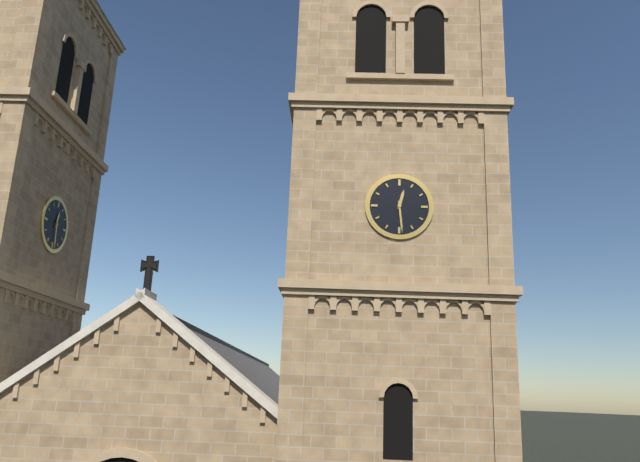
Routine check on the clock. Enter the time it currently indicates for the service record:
12:29
